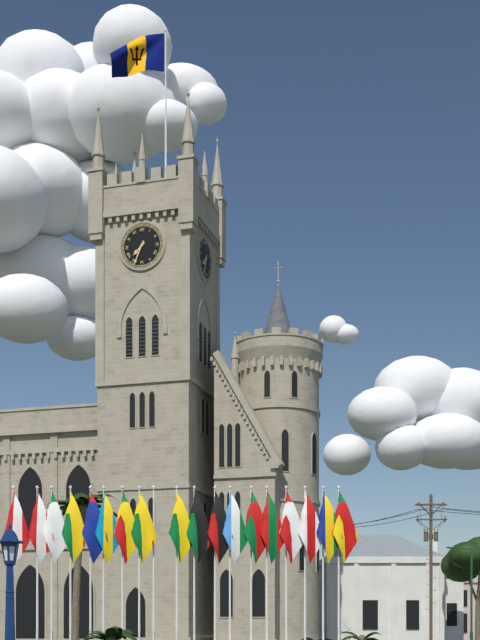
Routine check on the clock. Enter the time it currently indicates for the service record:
7:34
